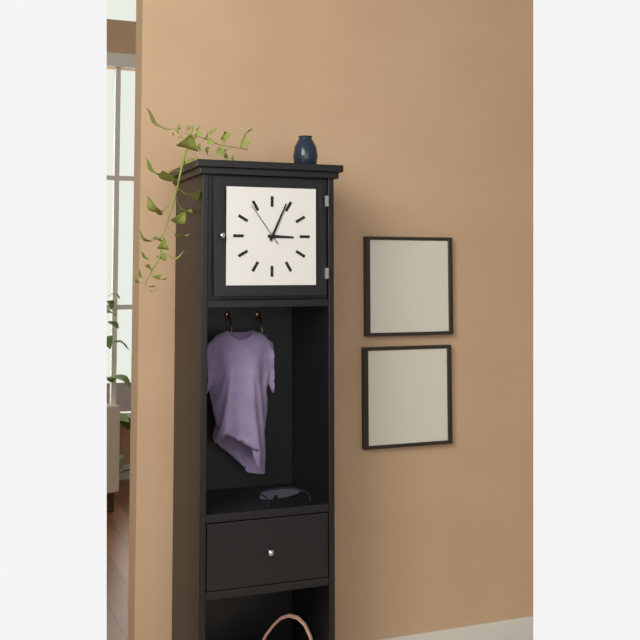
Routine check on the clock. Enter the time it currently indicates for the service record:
3:04
